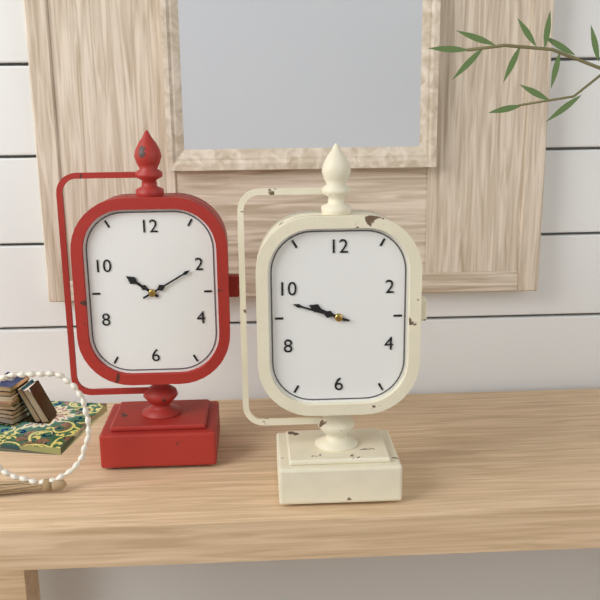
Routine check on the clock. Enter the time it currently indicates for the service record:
9:48
